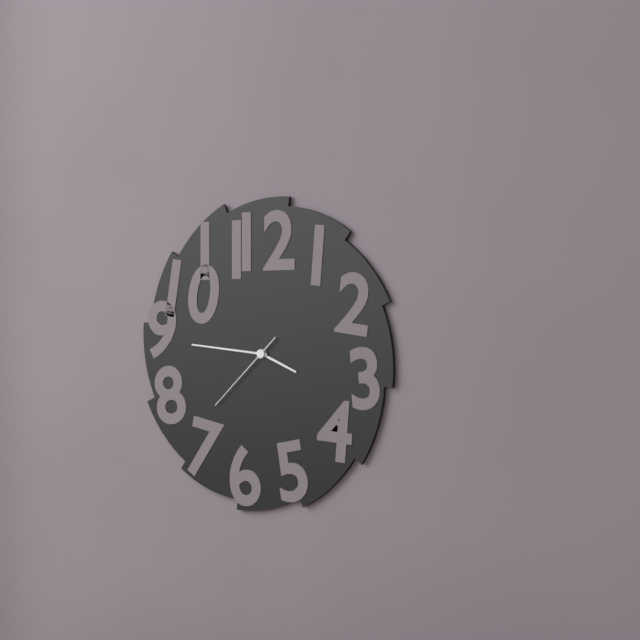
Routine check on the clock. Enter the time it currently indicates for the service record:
3:46:38
